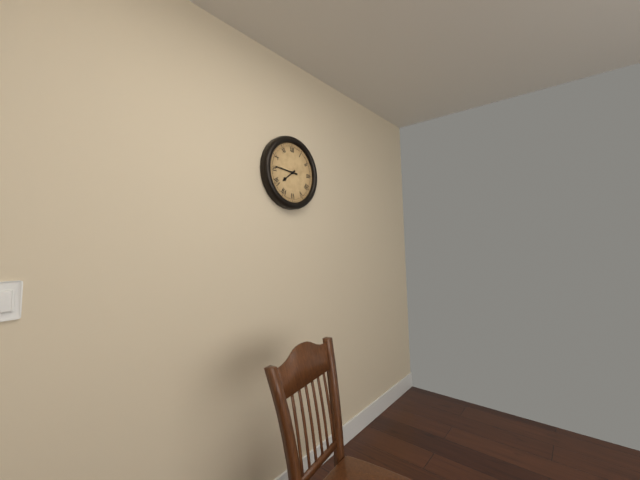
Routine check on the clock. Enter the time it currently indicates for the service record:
7:46
